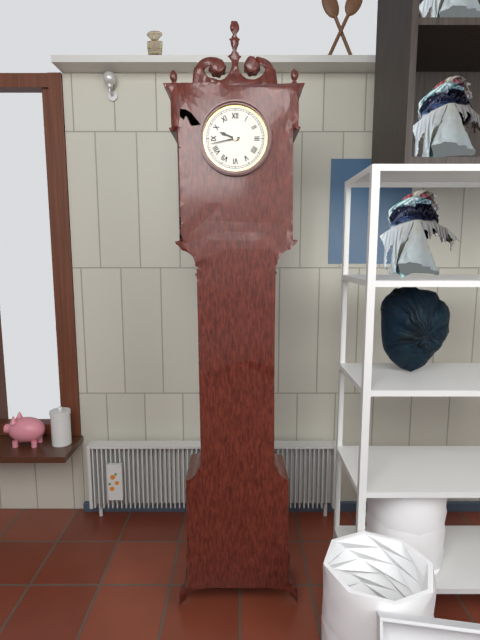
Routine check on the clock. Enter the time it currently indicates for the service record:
9:43
